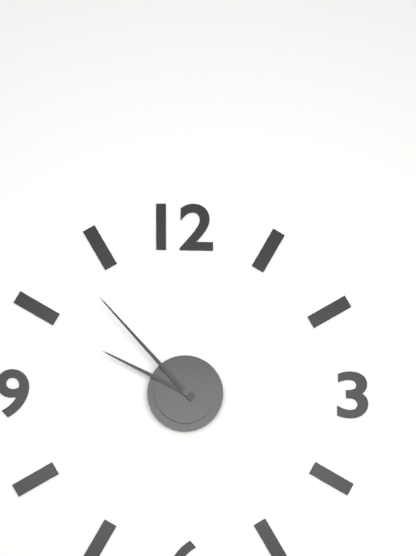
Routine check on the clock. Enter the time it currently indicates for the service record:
9:53
